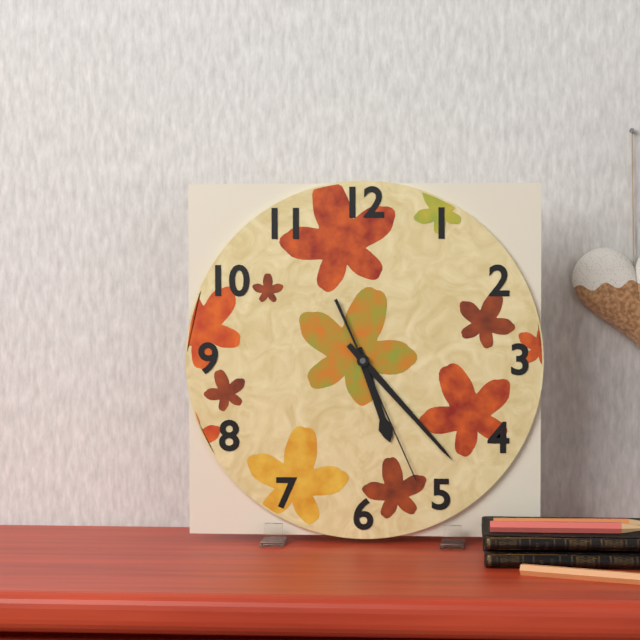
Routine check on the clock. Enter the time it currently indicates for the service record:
5:23:26
